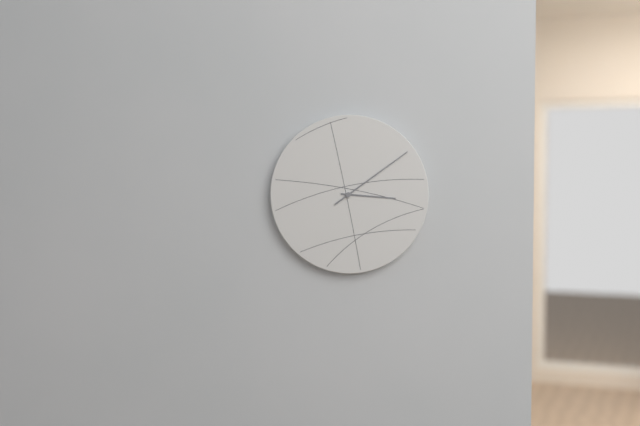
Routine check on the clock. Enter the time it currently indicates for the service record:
3:09
